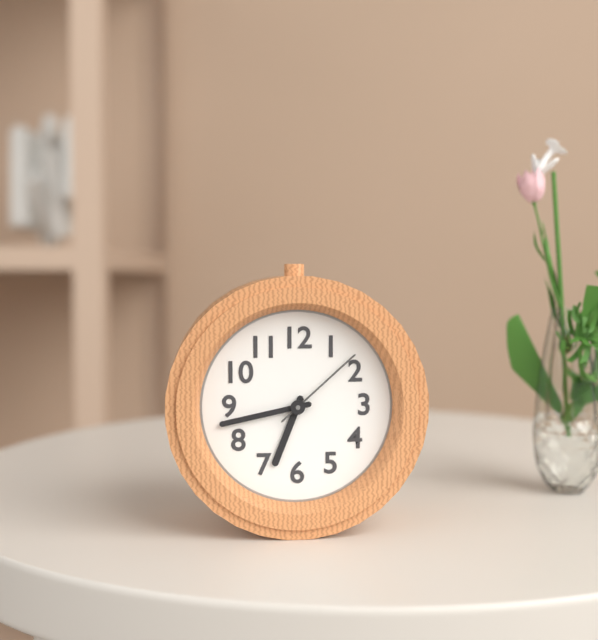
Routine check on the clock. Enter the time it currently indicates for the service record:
6:43:08
